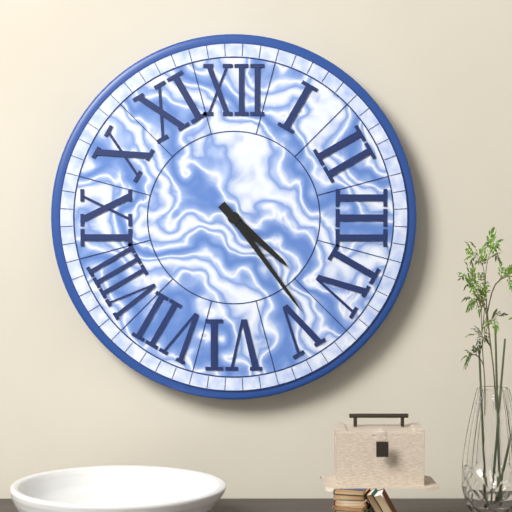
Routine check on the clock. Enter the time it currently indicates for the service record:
4:24
